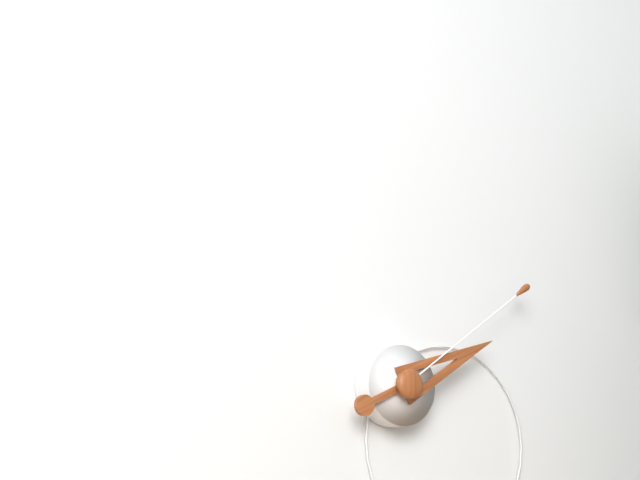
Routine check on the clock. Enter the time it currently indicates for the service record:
2:09
